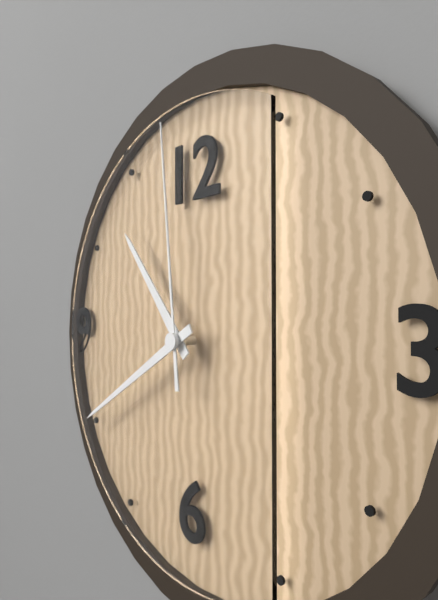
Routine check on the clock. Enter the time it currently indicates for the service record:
10:40:59
